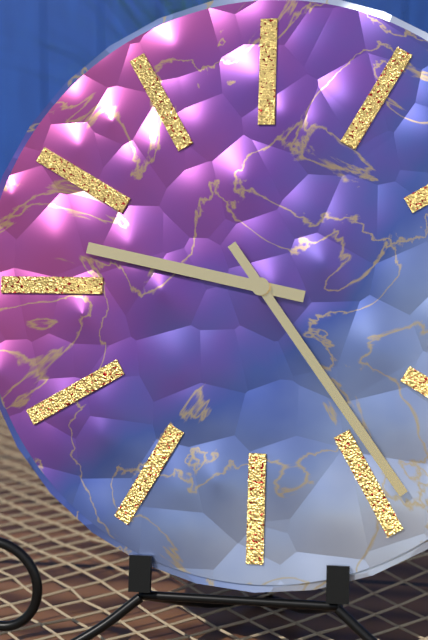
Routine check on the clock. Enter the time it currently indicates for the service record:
9:24
